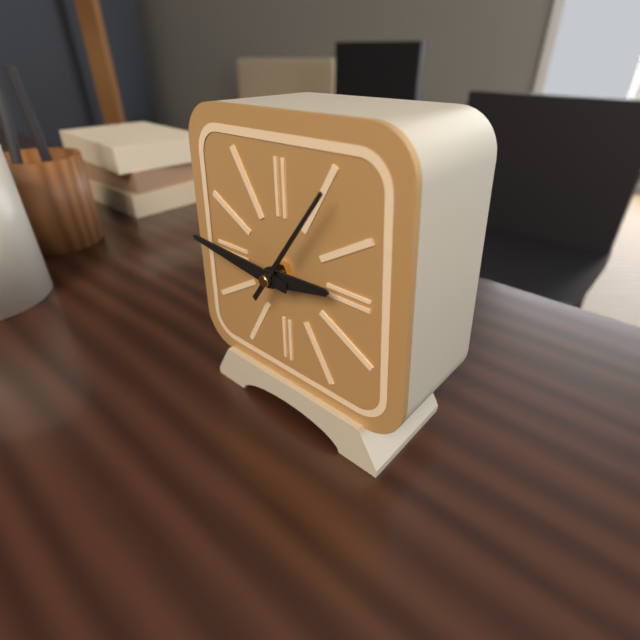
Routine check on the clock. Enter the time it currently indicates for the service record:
2:46:06
